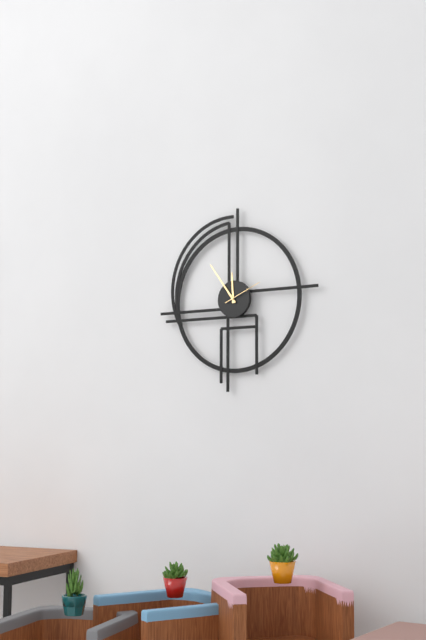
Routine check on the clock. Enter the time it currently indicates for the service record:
11:54
